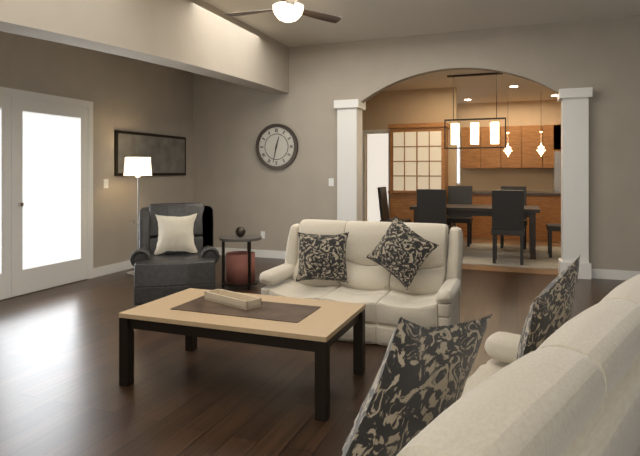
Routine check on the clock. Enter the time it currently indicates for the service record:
12:32
